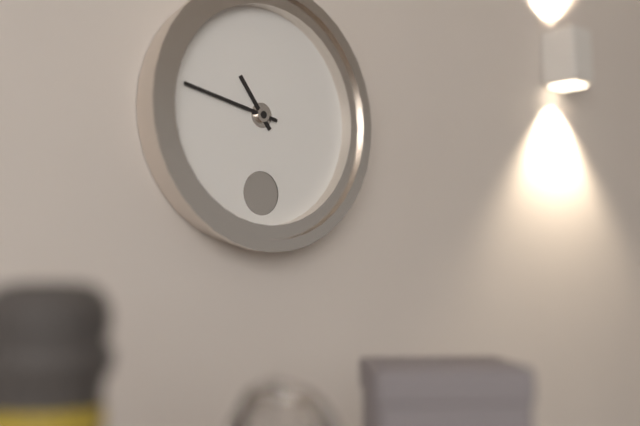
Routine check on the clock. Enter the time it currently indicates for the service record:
10:47
